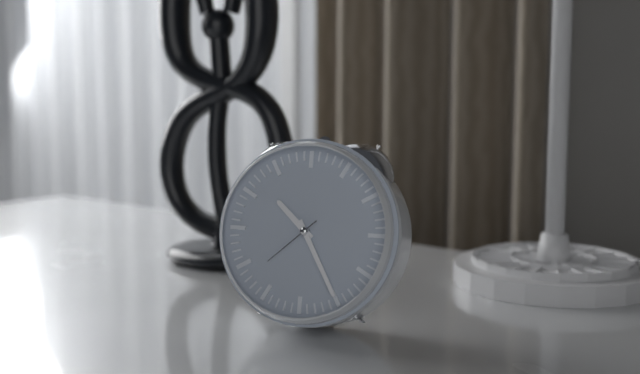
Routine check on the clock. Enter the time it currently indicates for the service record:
10:25:38
